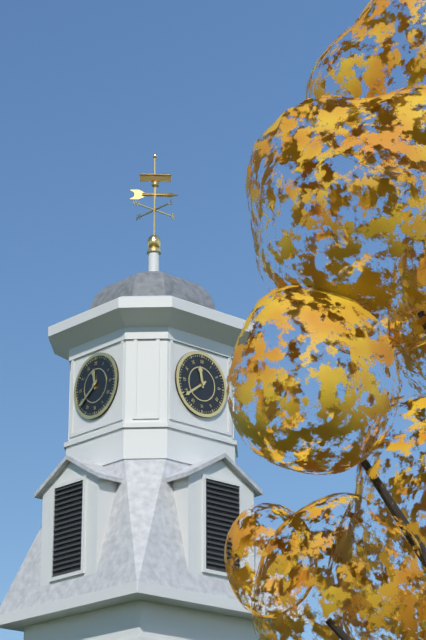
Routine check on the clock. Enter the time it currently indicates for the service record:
11:39
